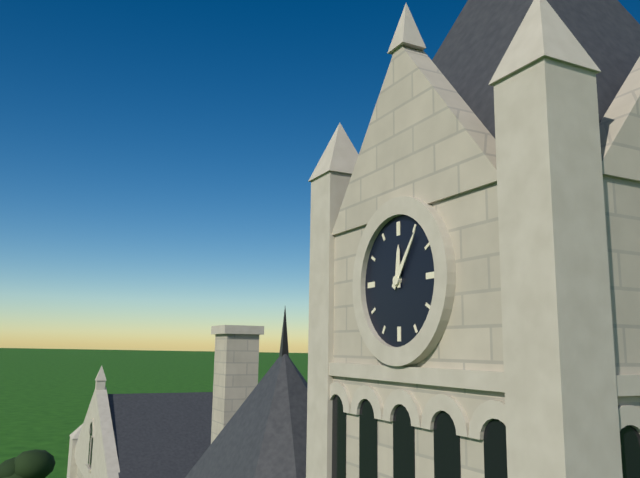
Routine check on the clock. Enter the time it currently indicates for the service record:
12:06
